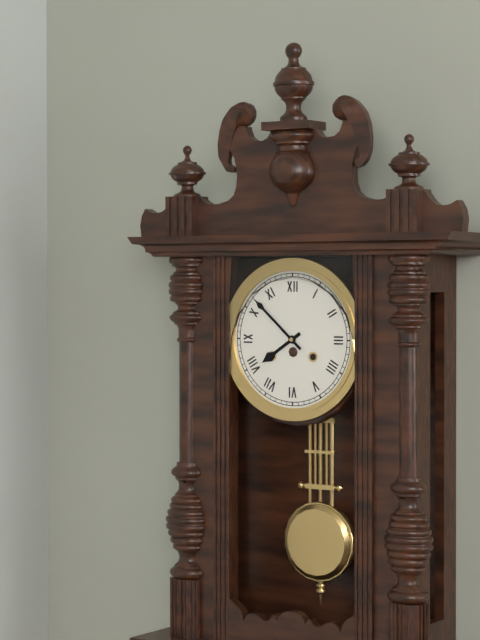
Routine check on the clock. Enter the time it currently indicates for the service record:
7:52
